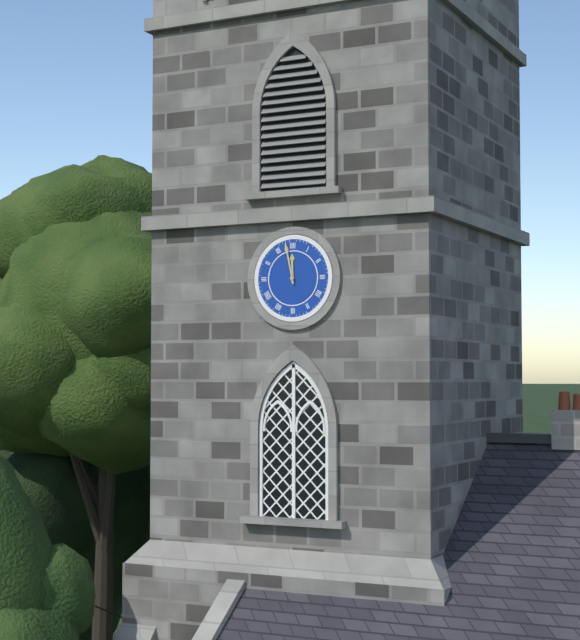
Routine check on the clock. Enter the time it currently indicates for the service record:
11:58
